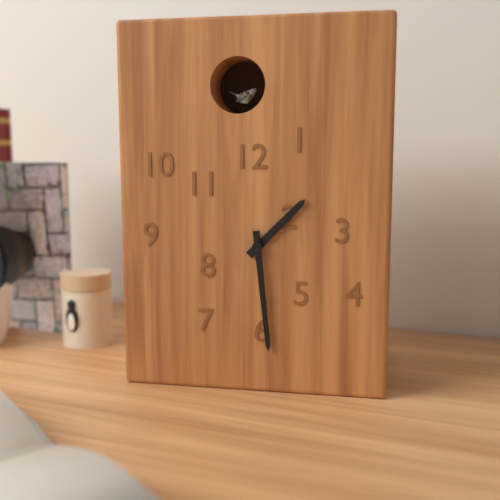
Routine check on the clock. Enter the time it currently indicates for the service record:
1:29
